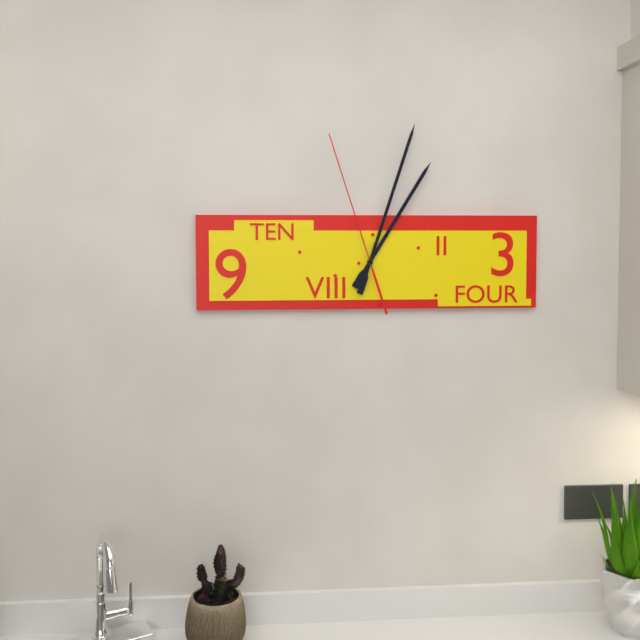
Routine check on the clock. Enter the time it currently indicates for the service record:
1:03:57
